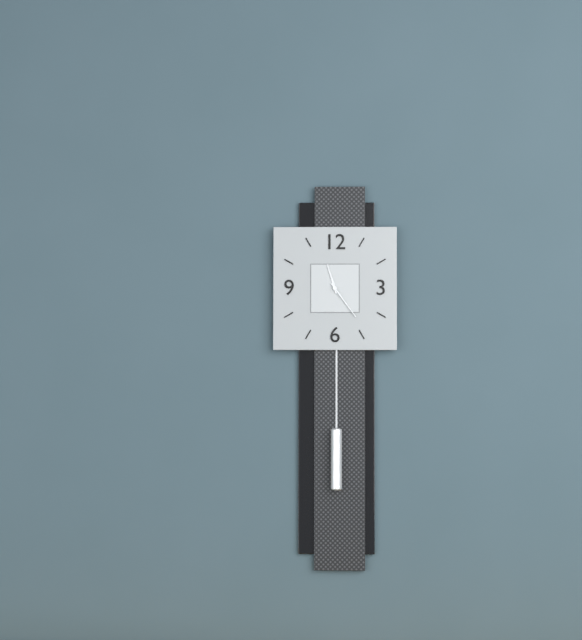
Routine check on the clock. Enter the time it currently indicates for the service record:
11:24
